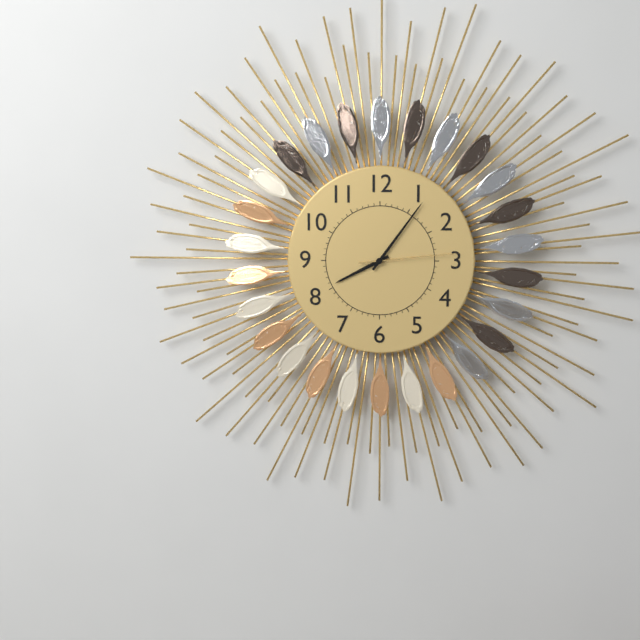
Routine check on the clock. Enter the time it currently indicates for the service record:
8:06:14
